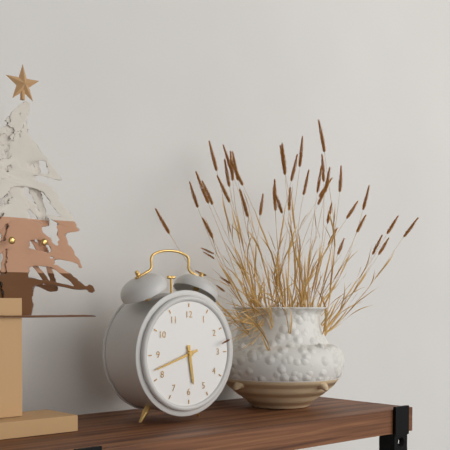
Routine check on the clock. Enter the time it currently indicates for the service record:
5:42
